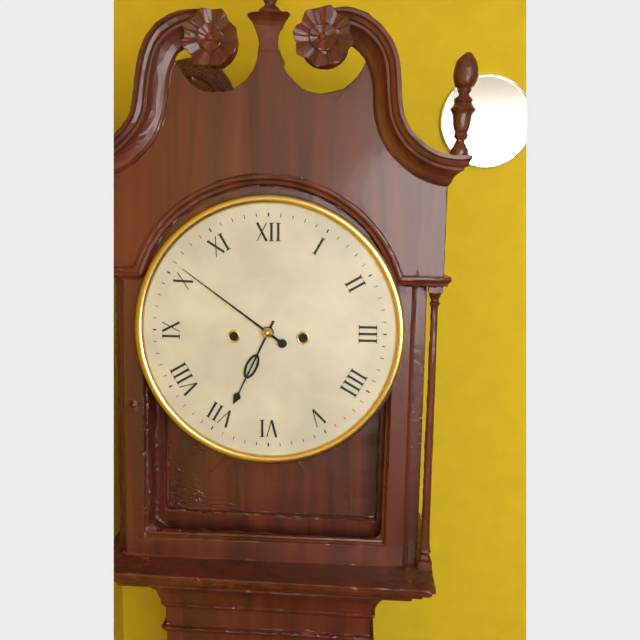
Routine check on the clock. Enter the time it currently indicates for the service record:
6:51
